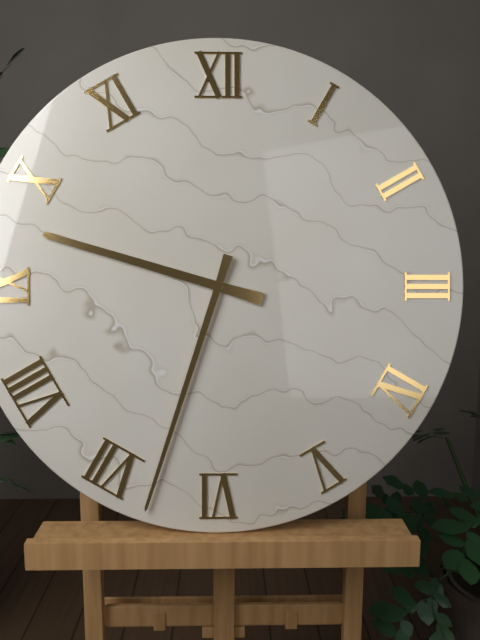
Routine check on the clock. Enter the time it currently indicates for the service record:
9:33
